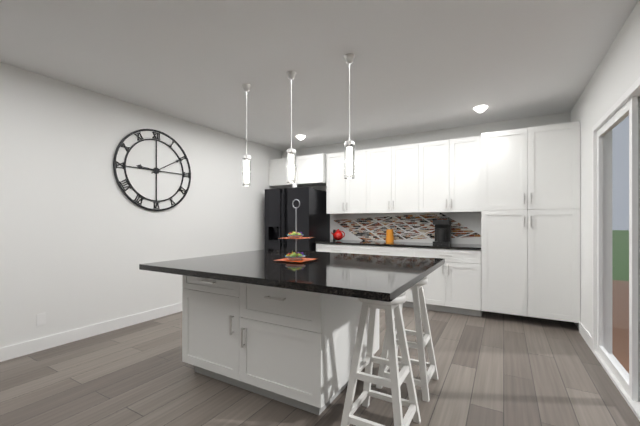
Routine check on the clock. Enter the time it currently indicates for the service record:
9:10
